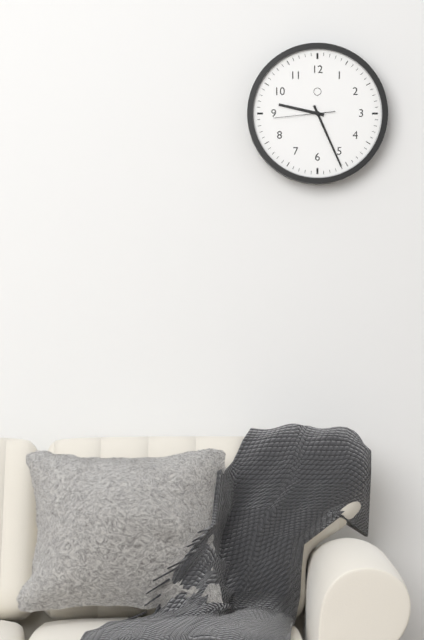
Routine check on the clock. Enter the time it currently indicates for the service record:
9:26:44
